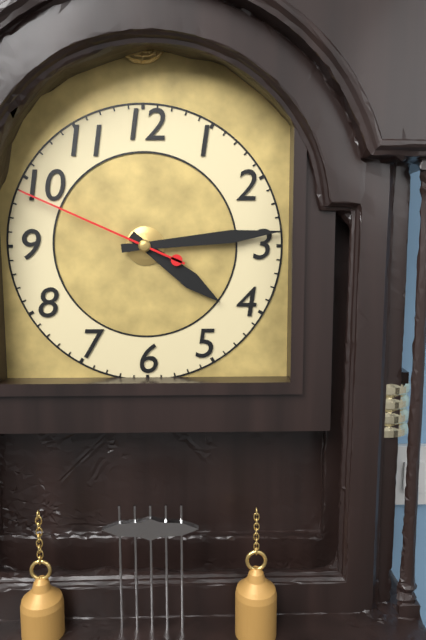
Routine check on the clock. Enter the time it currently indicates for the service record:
4:14:49
